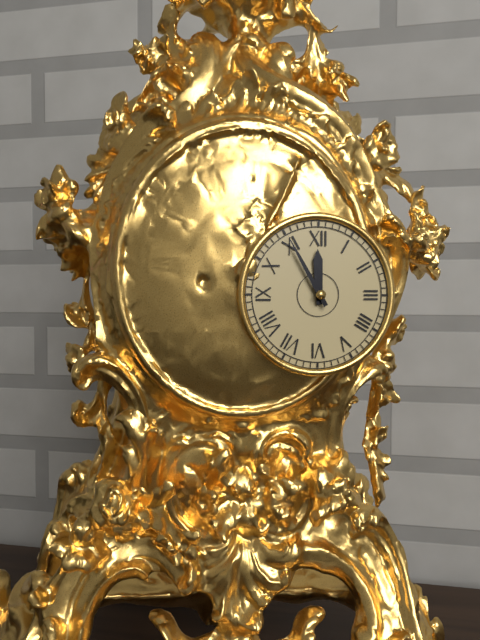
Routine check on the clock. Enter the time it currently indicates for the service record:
11:55
